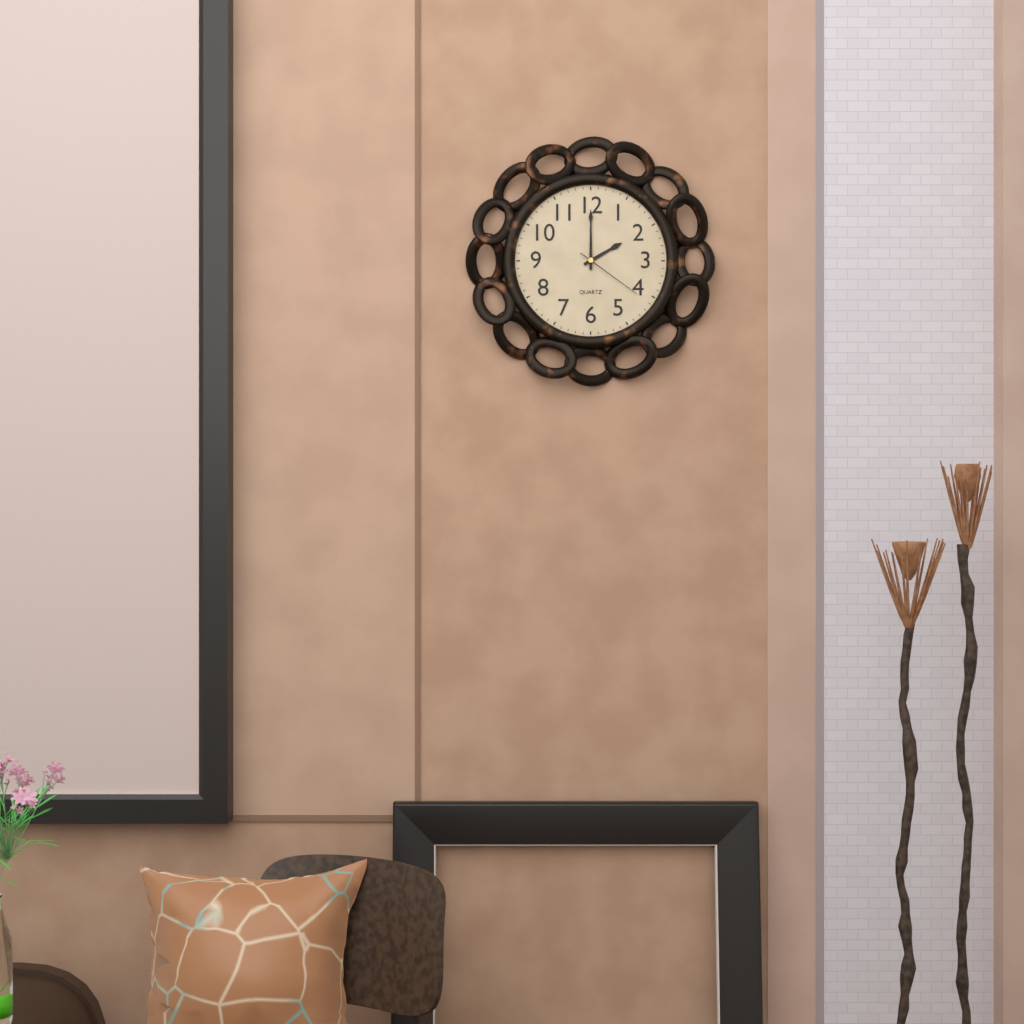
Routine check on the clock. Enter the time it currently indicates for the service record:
2:00:21
